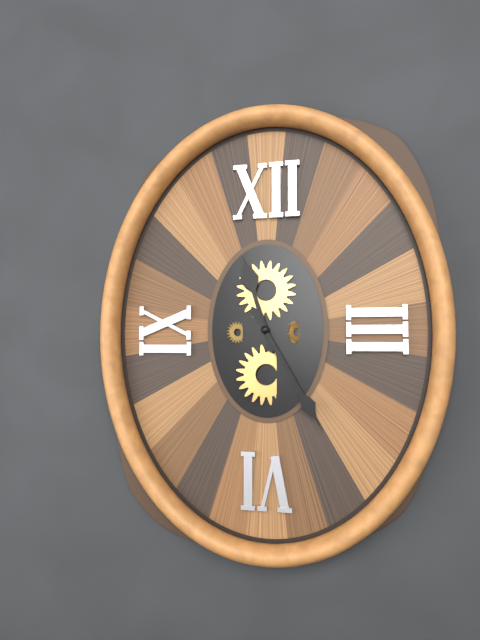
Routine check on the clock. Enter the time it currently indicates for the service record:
11:25
